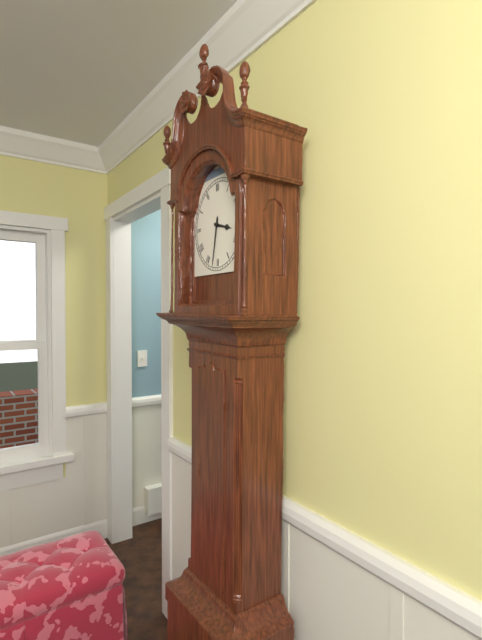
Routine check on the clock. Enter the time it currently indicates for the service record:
3:32
